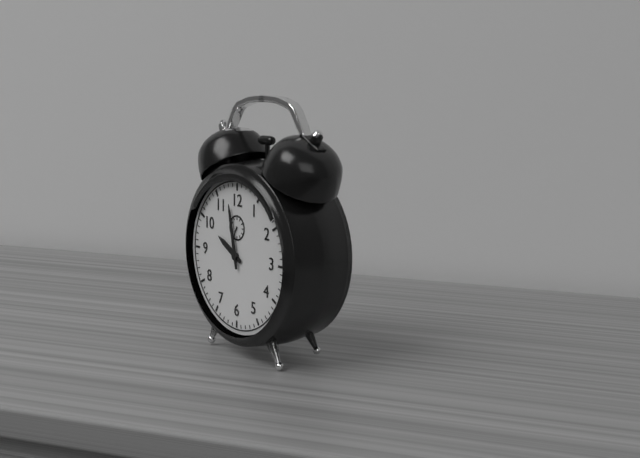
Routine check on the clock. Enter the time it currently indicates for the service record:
9:58
